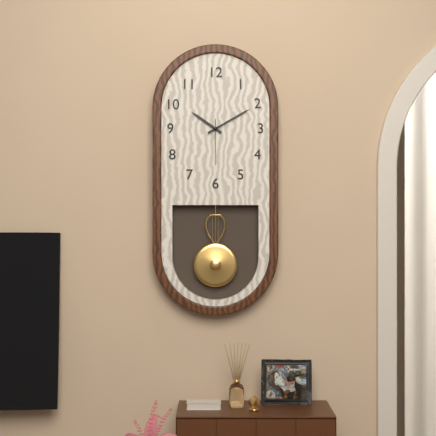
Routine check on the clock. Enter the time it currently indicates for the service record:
10:10
